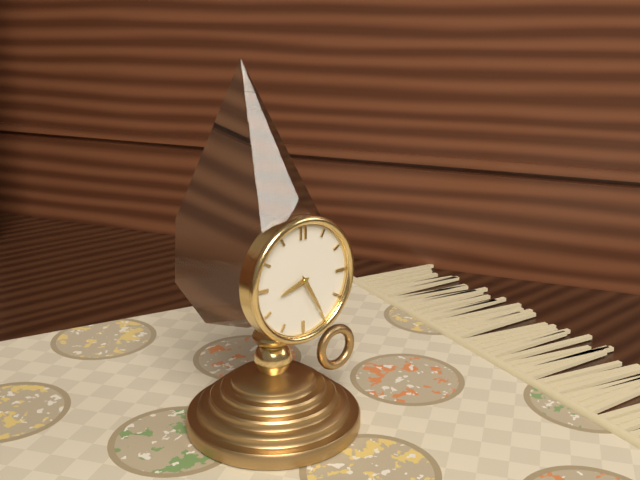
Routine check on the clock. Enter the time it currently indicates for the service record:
8:25
